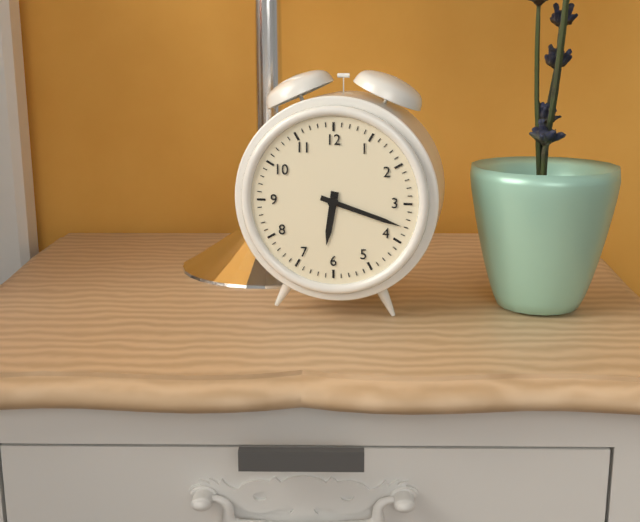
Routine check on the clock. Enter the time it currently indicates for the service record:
6:18
